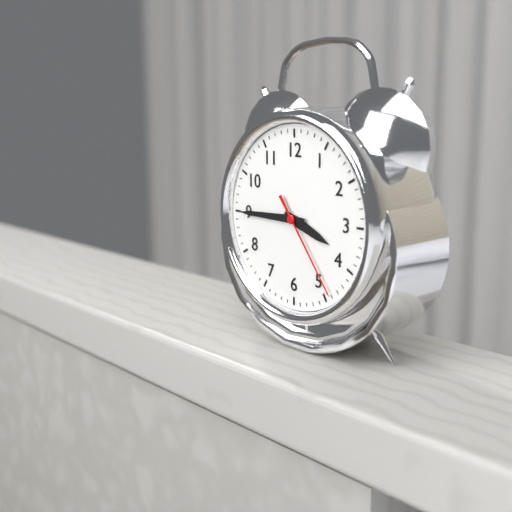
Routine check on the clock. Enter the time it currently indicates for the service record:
3:45:24
